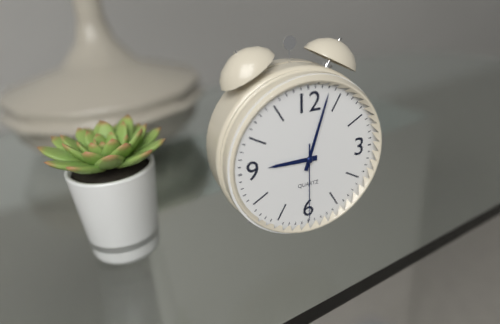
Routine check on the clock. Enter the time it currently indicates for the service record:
9:03:30
